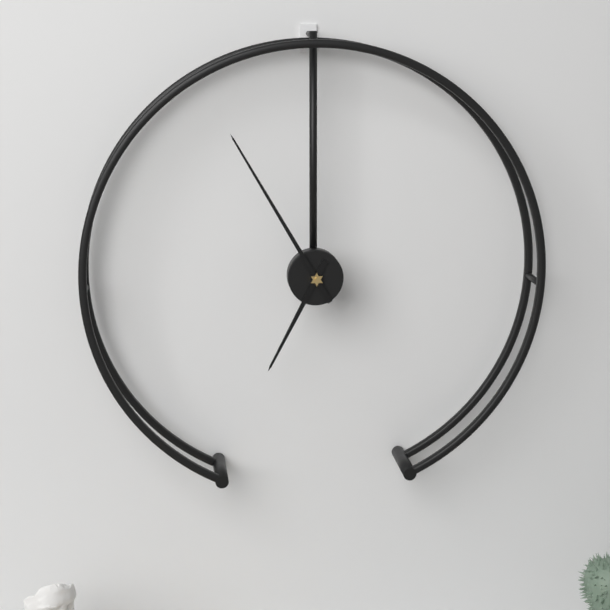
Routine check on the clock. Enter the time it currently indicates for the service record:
6:55
